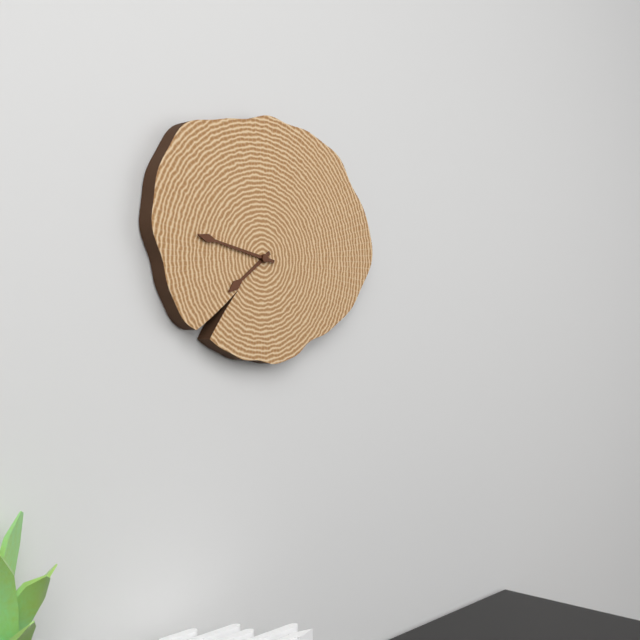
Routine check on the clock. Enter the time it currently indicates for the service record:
7:47
